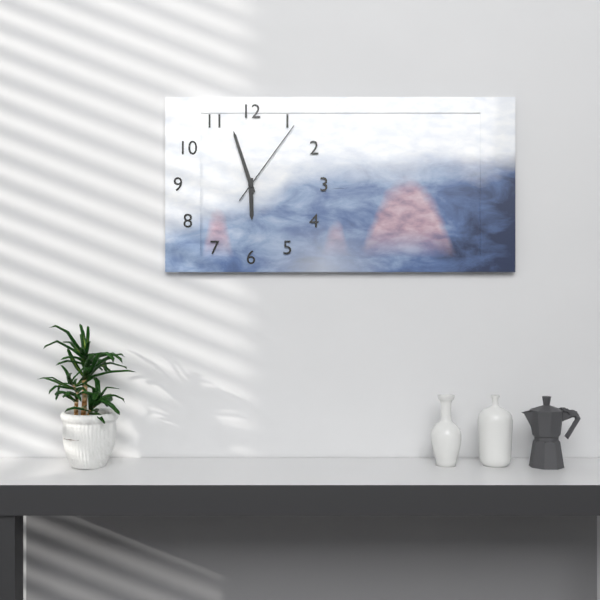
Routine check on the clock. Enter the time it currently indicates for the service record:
5:57:06
